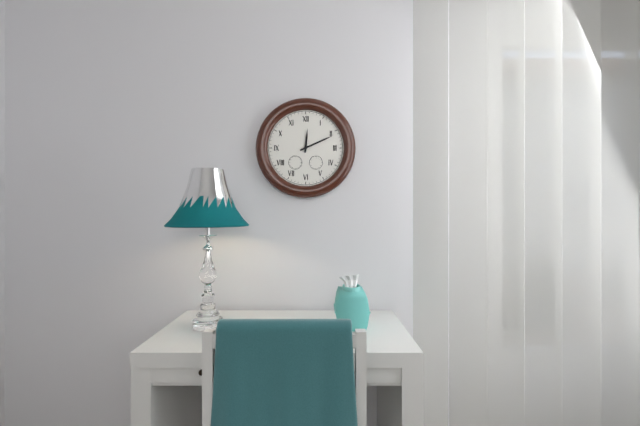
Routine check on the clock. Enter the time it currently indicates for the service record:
12:11
